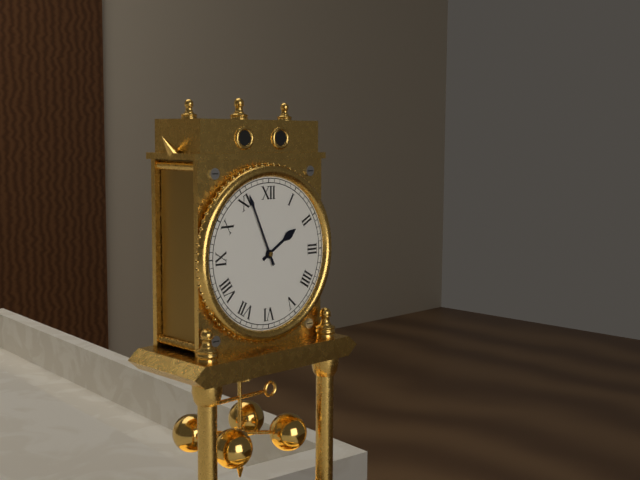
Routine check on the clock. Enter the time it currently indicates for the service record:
1:56
